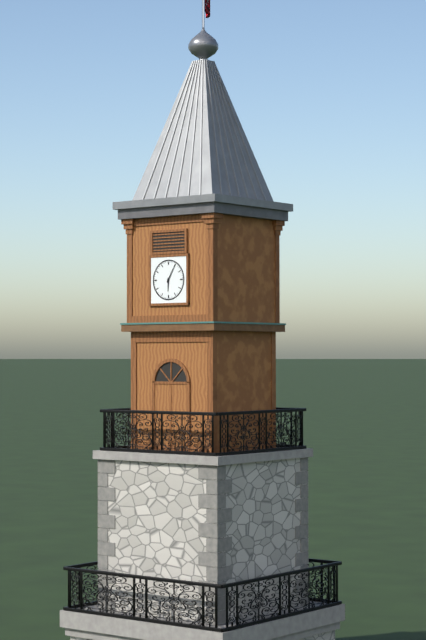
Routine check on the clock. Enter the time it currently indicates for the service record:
6:05
